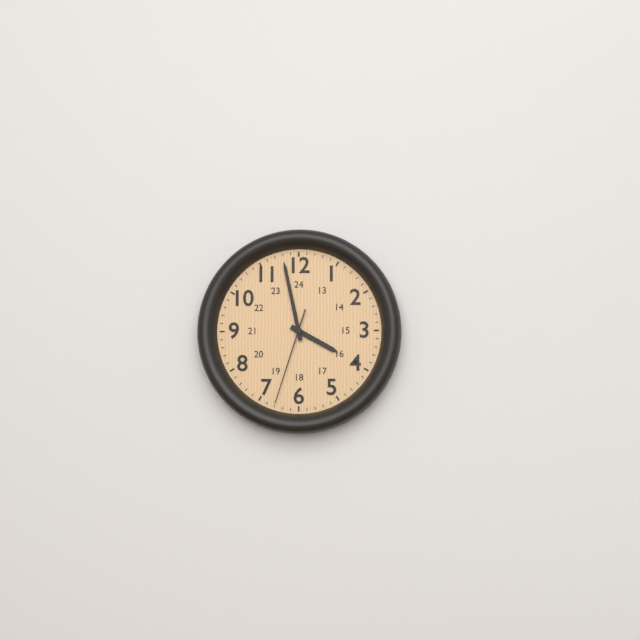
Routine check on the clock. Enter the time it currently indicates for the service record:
3:58:33
